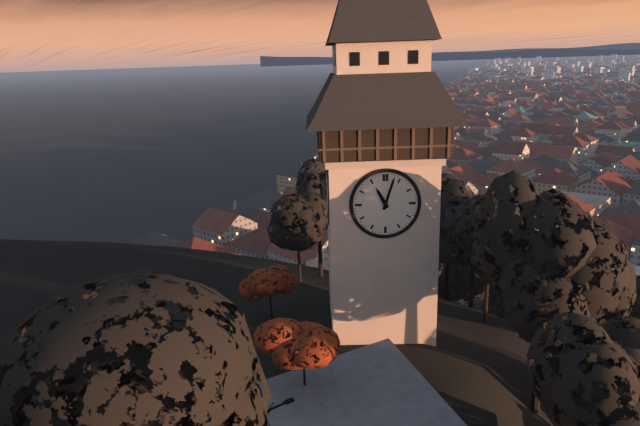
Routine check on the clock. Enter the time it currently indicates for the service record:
11:03
